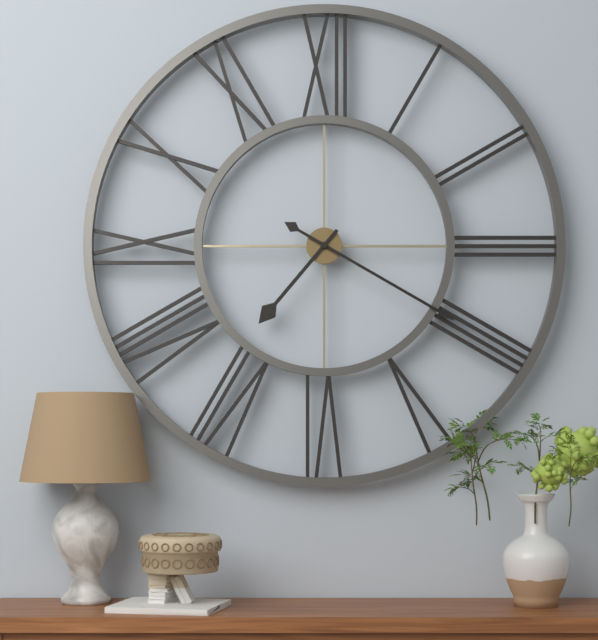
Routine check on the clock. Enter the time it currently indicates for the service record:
7:20
